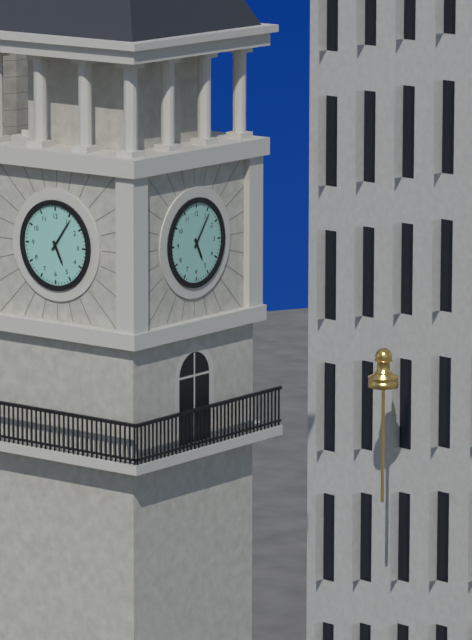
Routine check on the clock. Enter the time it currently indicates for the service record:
5:06
